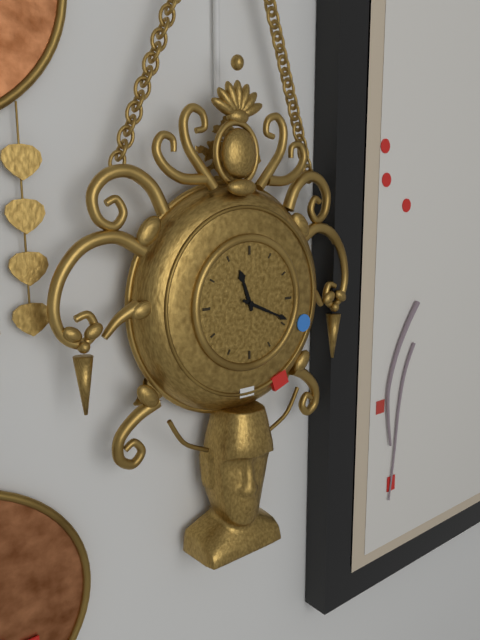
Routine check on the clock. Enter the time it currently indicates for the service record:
11:19
